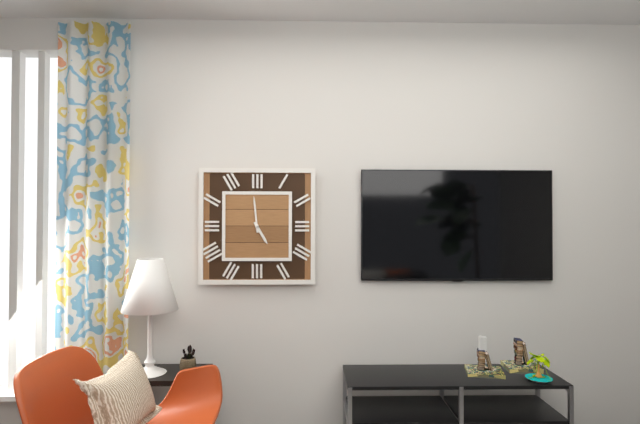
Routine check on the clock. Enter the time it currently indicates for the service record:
4:59
